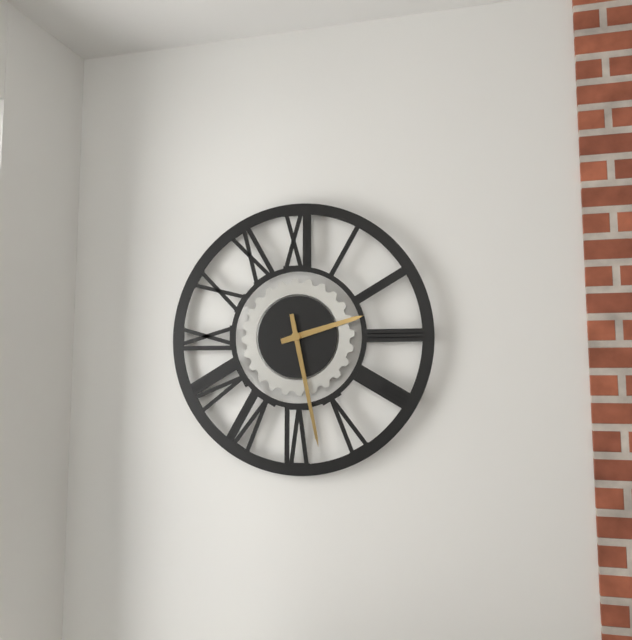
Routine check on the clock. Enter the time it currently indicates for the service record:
2:28
